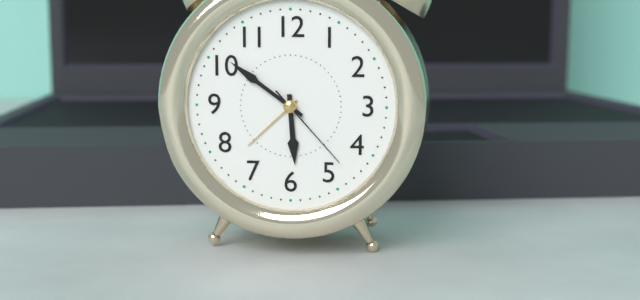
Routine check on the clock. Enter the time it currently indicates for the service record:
5:51:23
